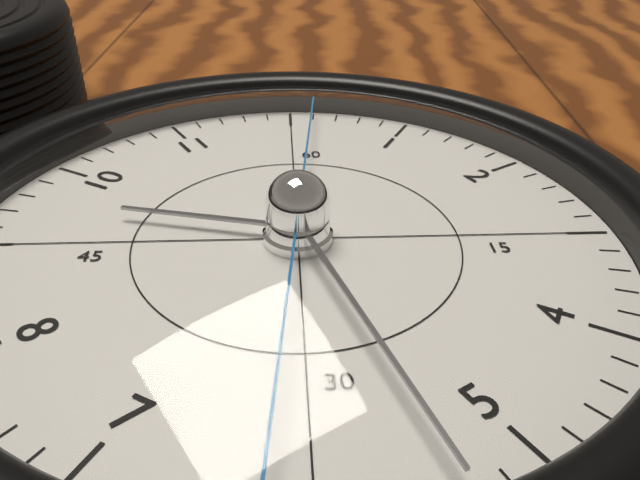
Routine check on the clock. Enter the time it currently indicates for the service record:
9:27:01
